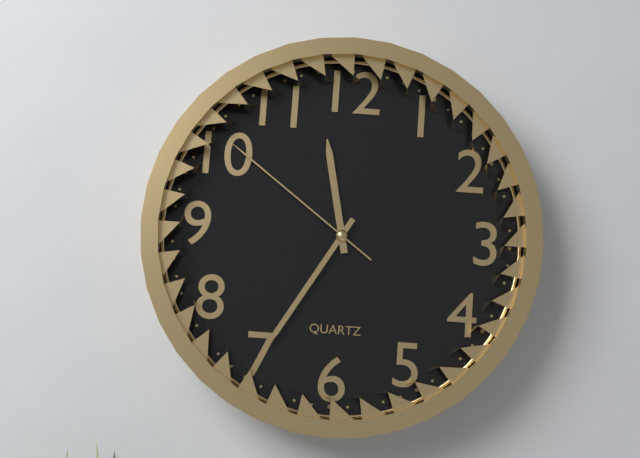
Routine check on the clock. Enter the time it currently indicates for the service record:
11:35:51
